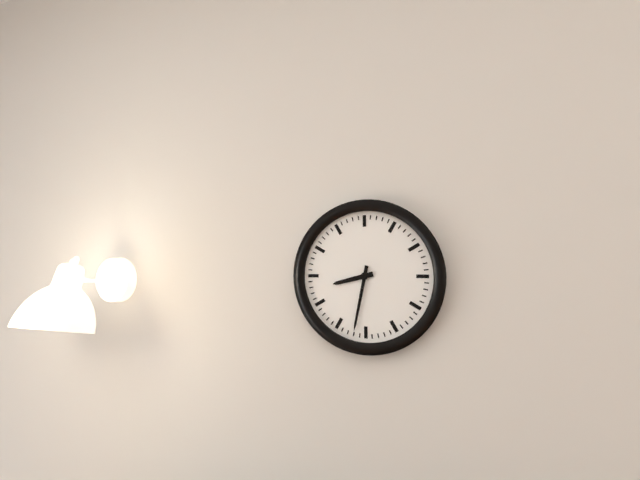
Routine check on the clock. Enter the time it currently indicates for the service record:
8:32
